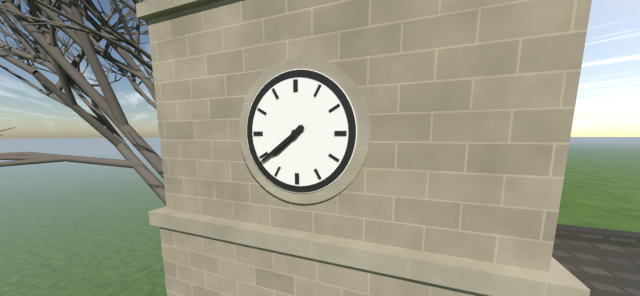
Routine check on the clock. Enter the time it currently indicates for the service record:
7:39
